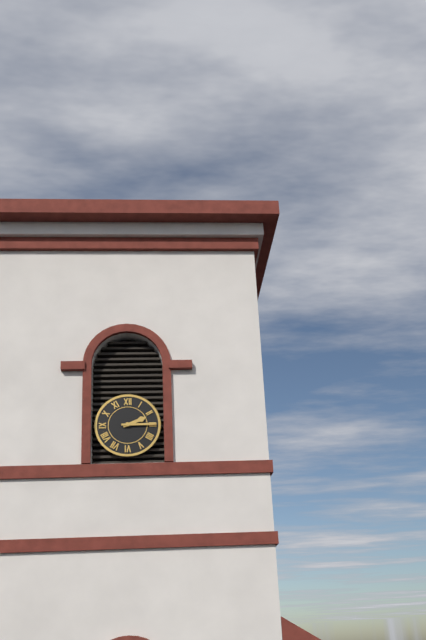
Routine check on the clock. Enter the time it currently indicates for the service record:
2:15
